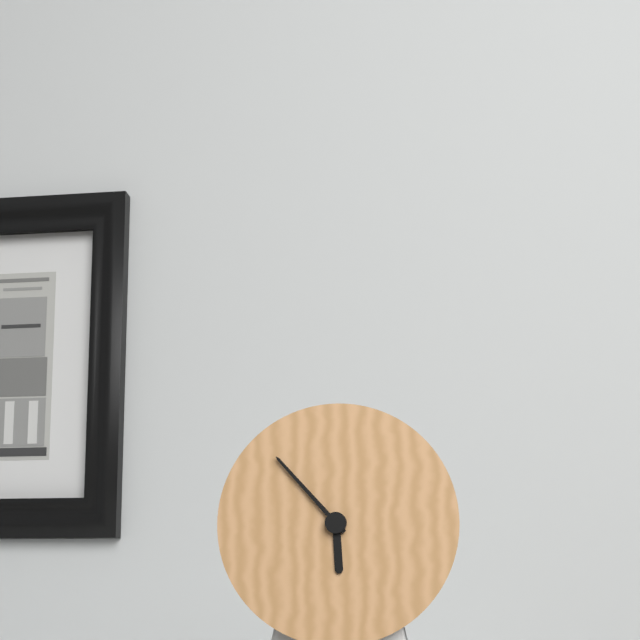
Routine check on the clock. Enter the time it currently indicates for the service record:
5:53
